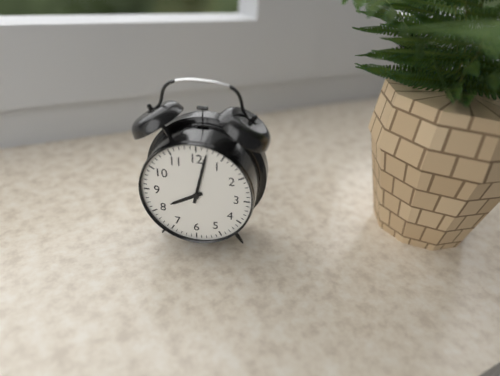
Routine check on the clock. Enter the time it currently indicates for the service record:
8:02
